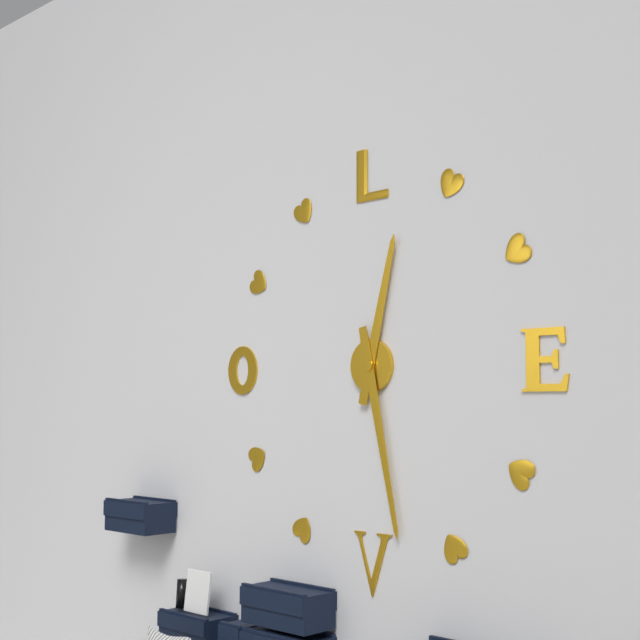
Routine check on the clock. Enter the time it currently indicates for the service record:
12:28
